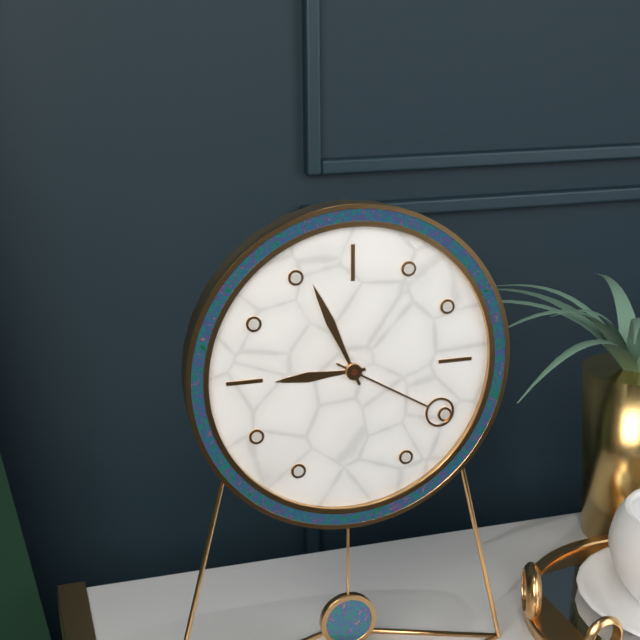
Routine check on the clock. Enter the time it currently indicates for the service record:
8:56:20
